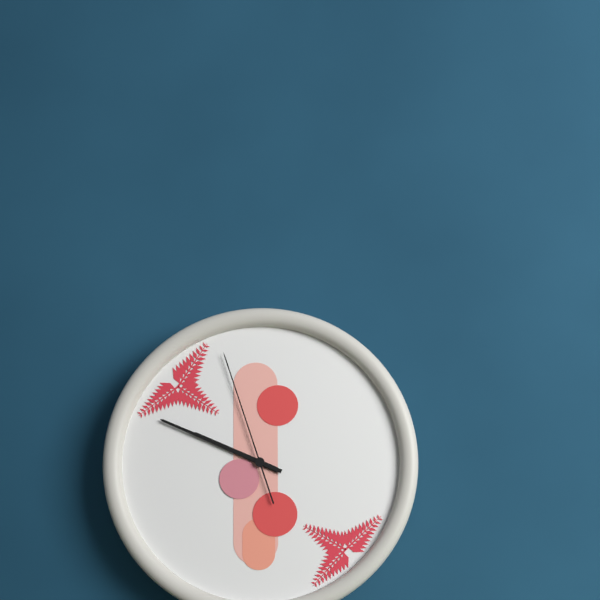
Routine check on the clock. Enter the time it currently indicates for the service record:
9:49:57
